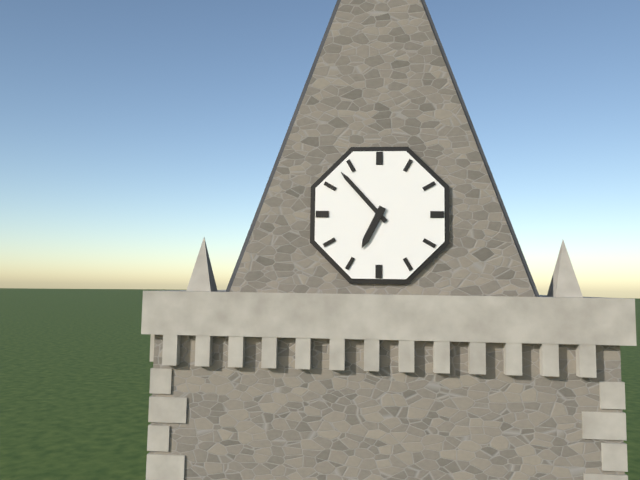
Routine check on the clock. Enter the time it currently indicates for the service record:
6:53
